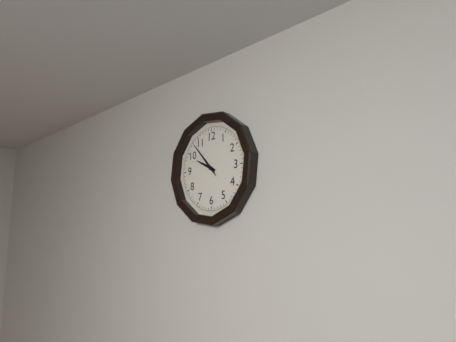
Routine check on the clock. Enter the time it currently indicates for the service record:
9:53
